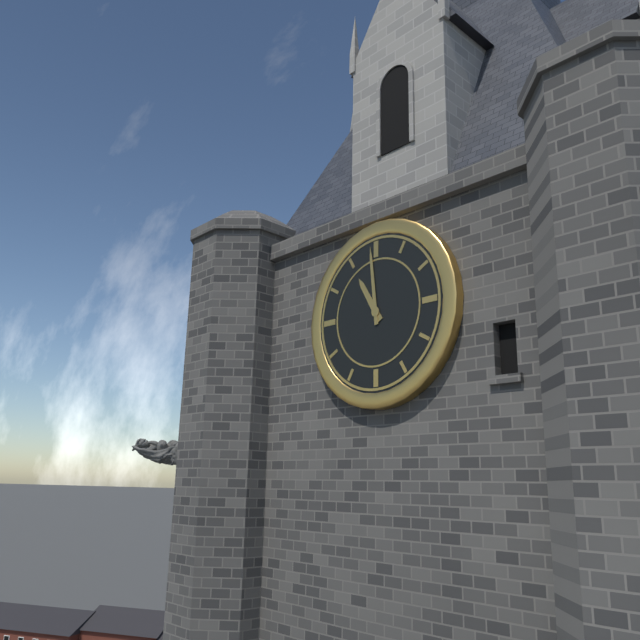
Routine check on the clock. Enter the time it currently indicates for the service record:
10:59
